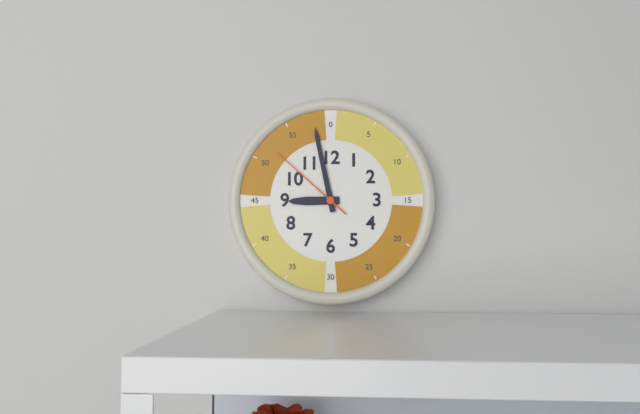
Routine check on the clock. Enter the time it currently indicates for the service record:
8:58:52
